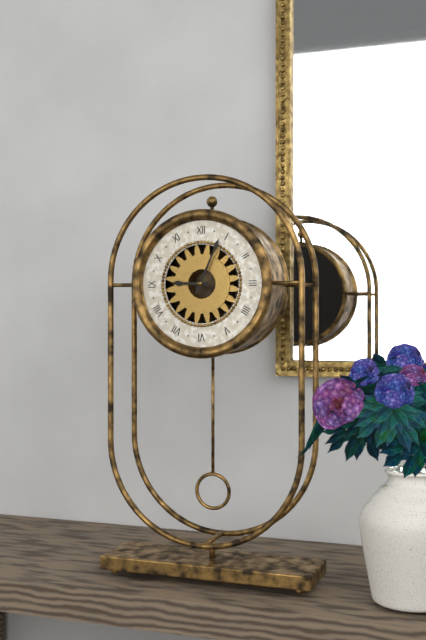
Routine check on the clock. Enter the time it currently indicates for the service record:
9:04
